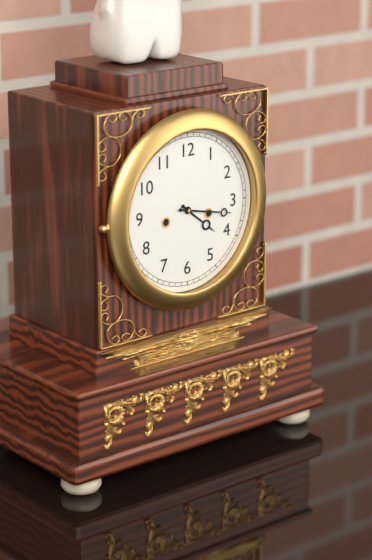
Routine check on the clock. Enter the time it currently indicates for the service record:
4:17
